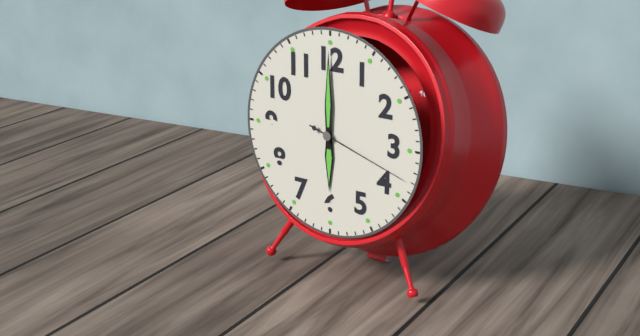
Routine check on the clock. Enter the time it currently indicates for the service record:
6:00:18
